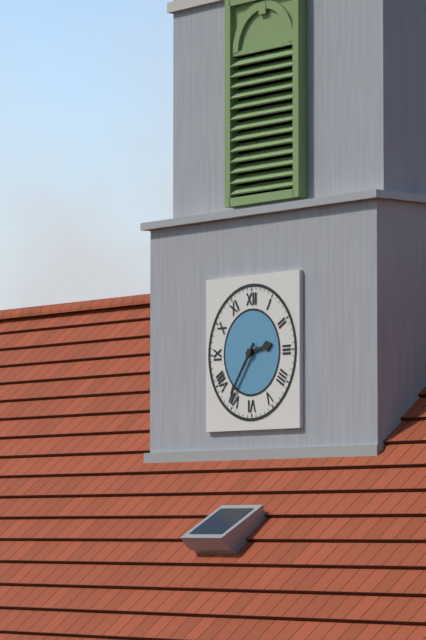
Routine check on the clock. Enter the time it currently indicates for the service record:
2:36
